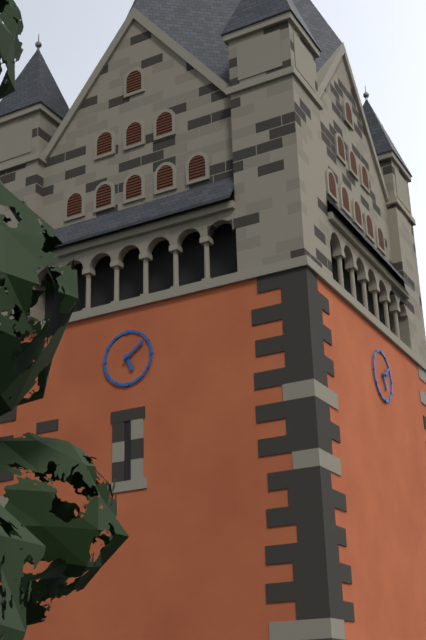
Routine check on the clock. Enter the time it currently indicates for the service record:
5:09
